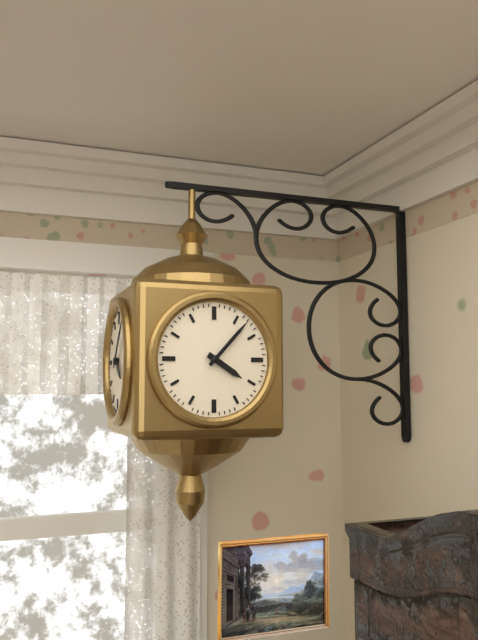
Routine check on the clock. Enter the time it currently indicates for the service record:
4:07
